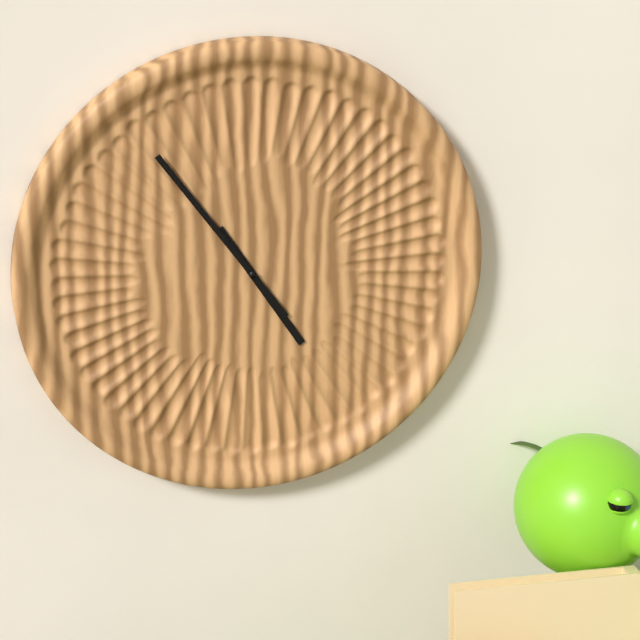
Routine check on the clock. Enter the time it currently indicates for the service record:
4:54
